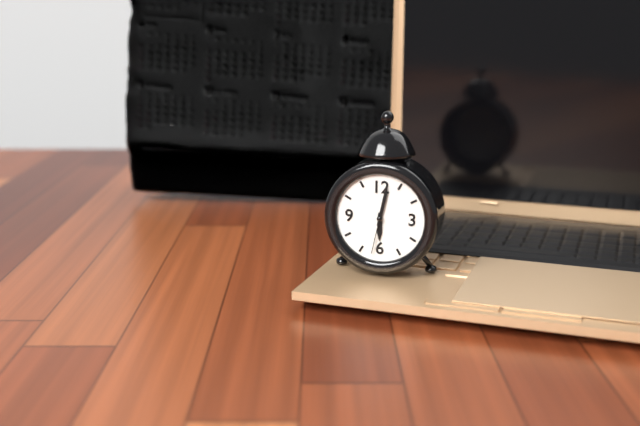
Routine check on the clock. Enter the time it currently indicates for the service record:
6:02
